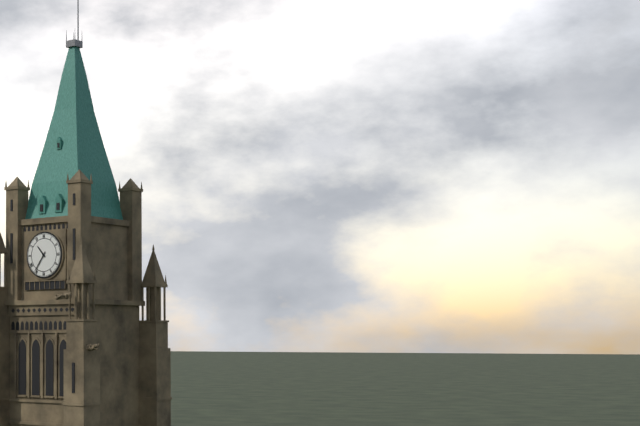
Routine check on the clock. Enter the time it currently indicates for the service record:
10:36
